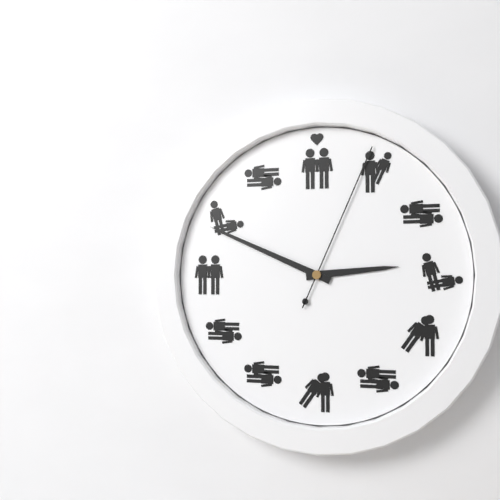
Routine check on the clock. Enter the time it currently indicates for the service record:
2:49:04
